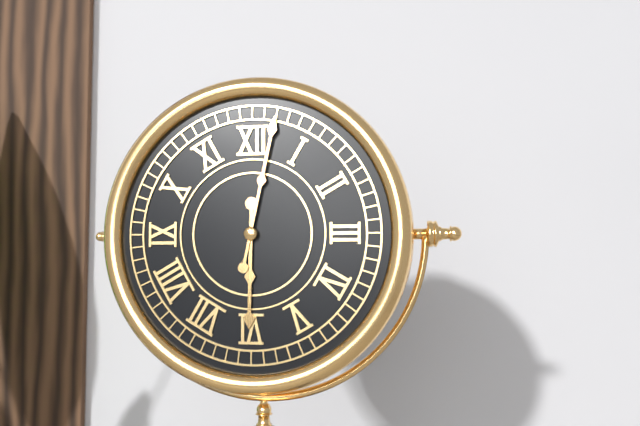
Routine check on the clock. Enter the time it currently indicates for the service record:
6:02
